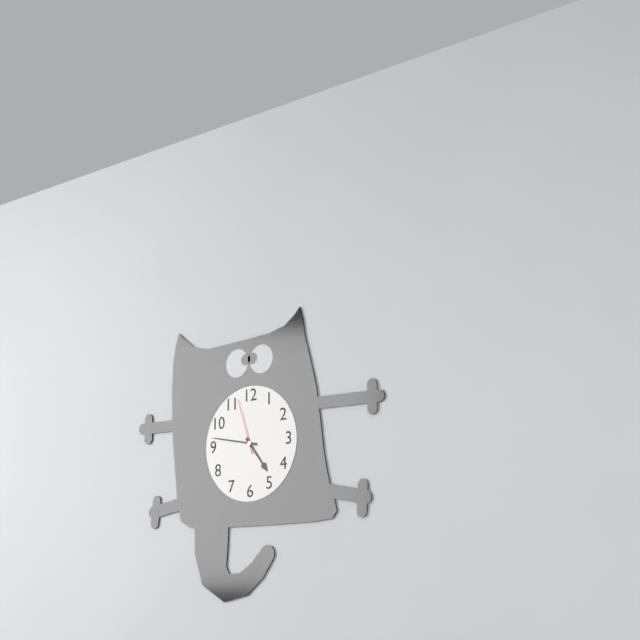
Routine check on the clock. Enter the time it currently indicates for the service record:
4:47:57
